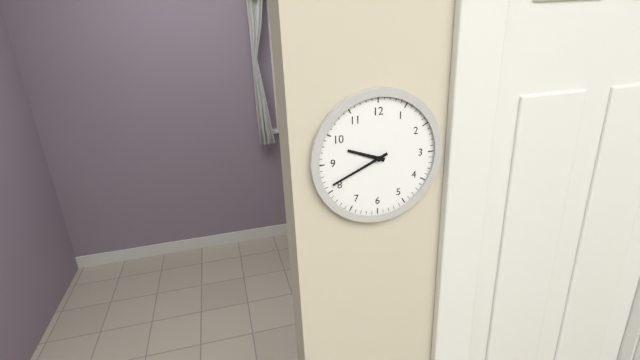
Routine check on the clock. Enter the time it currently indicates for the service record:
9:41
